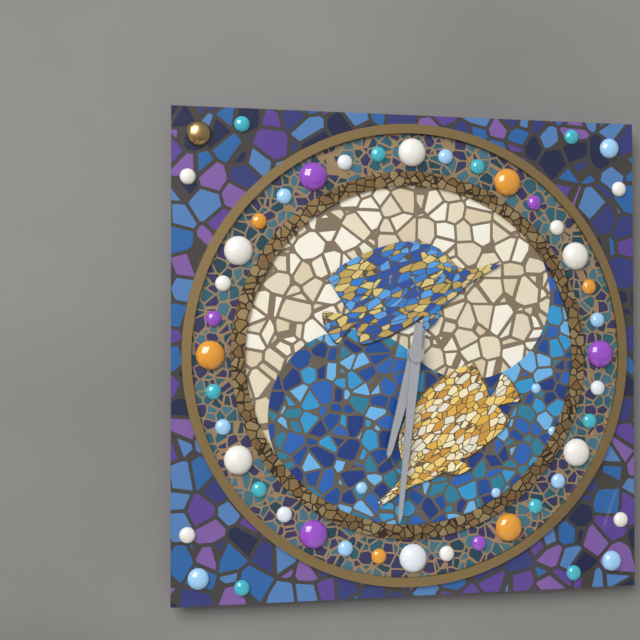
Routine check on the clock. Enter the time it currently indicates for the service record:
6:31
